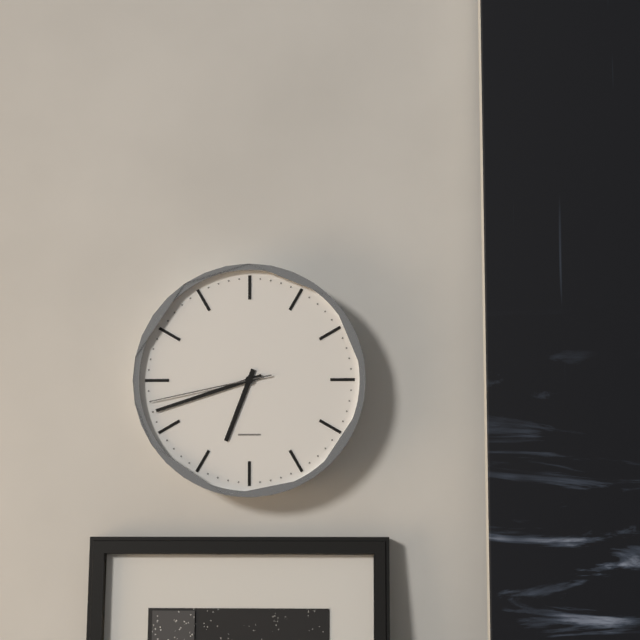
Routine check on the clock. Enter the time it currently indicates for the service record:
6:42:43
